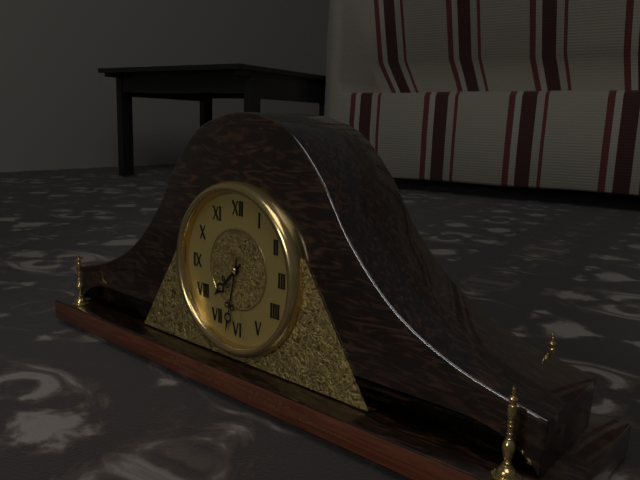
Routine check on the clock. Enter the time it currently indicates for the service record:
7:32:28
